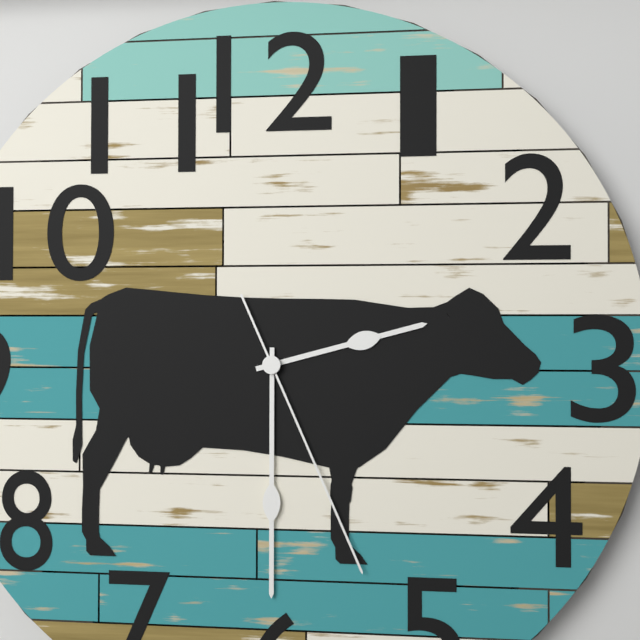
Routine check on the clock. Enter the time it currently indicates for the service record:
2:30:26
